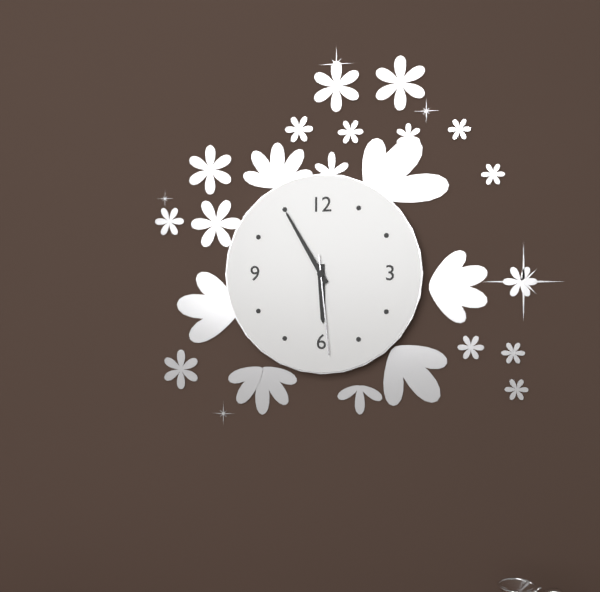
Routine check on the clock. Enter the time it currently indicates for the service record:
5:55:29
